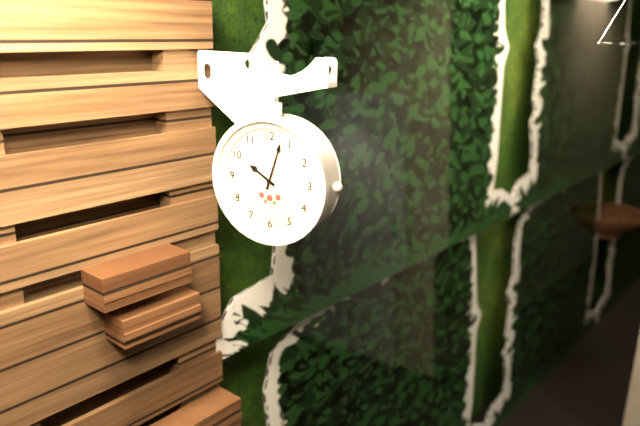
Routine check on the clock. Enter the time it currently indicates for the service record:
10:03
